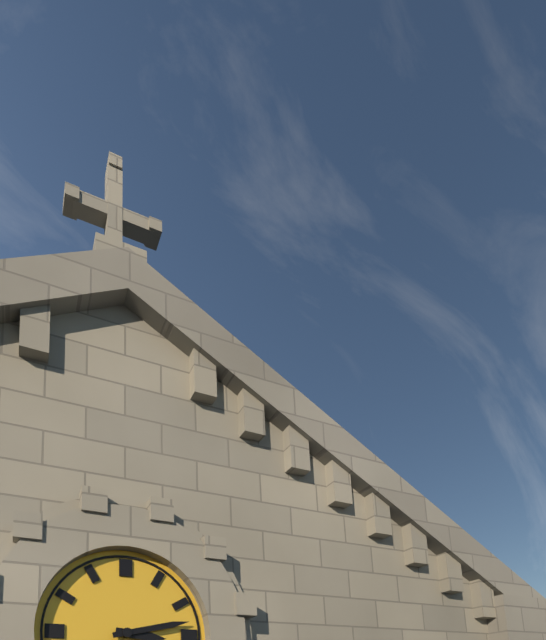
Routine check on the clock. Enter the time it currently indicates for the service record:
3:13
